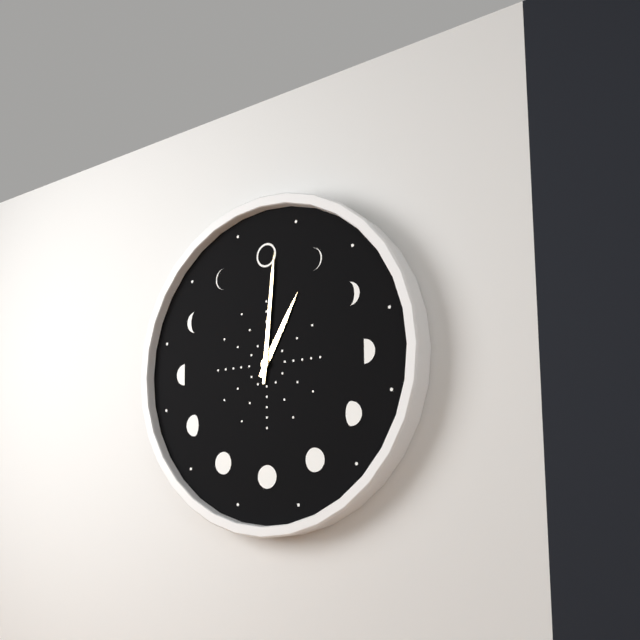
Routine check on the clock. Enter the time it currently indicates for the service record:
1:01
